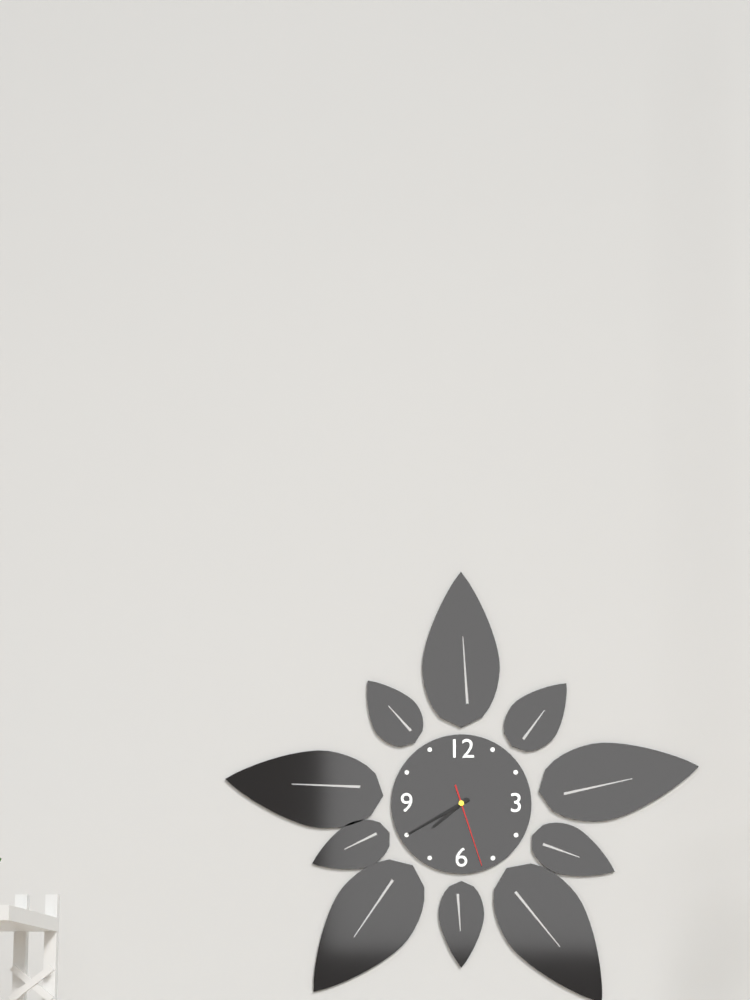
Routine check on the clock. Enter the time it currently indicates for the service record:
7:40:27
